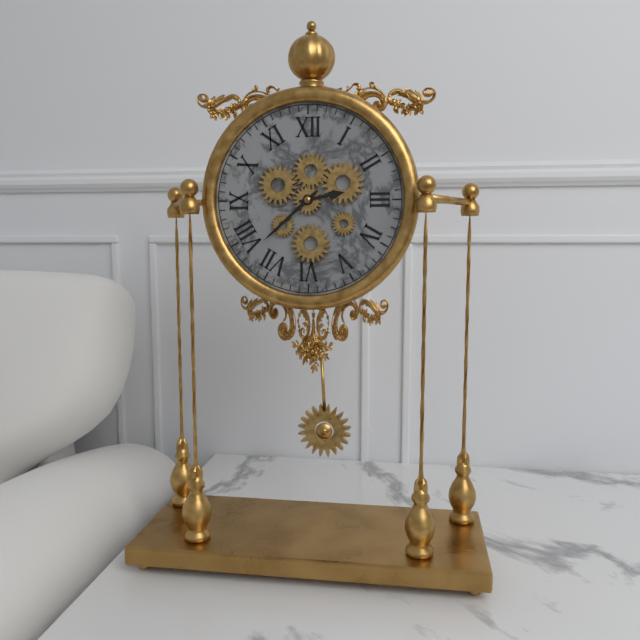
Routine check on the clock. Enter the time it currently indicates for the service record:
2:38
